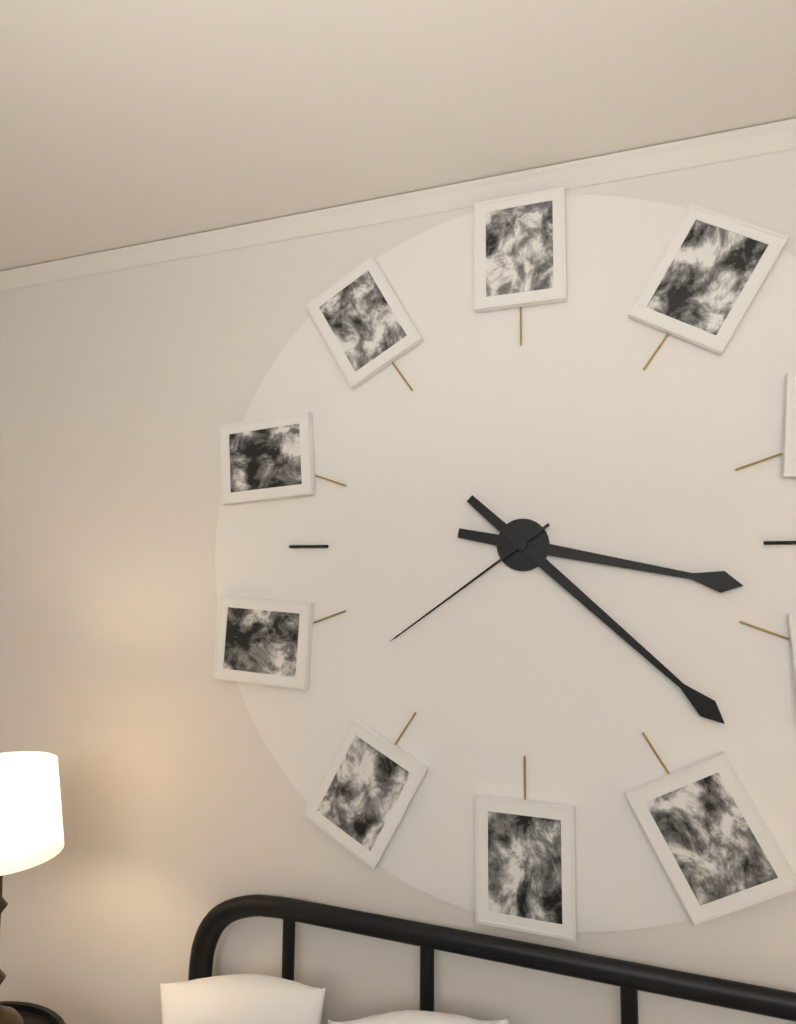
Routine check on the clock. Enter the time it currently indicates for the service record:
3:22:39
